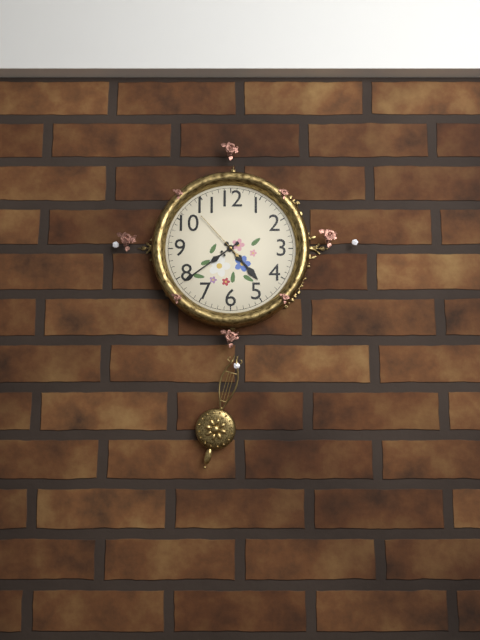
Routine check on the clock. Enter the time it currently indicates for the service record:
4:39:53
